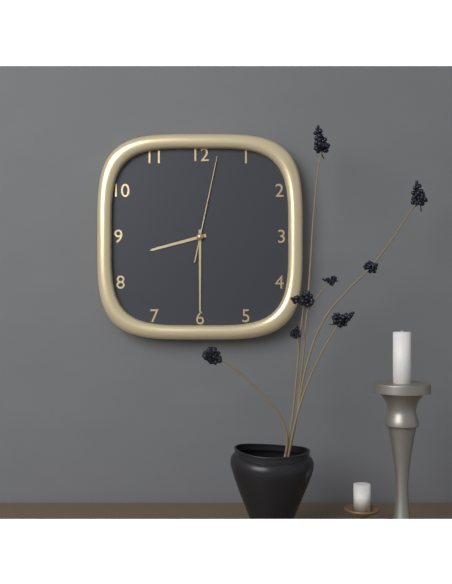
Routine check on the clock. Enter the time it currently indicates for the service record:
8:30:02
